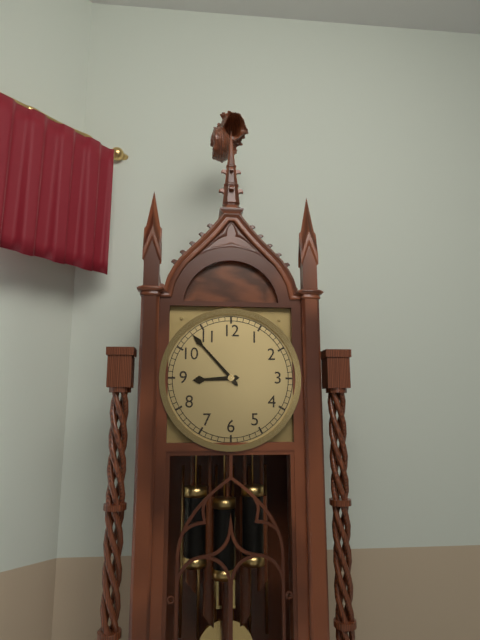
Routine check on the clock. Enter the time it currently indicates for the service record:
8:53
